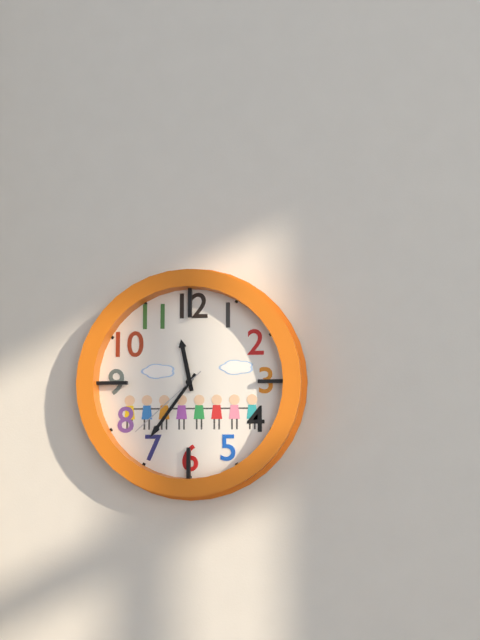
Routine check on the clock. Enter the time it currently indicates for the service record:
11:36:38
